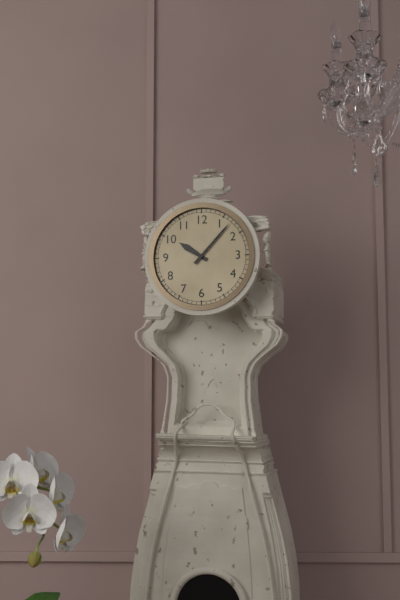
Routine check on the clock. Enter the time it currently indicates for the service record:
10:07
